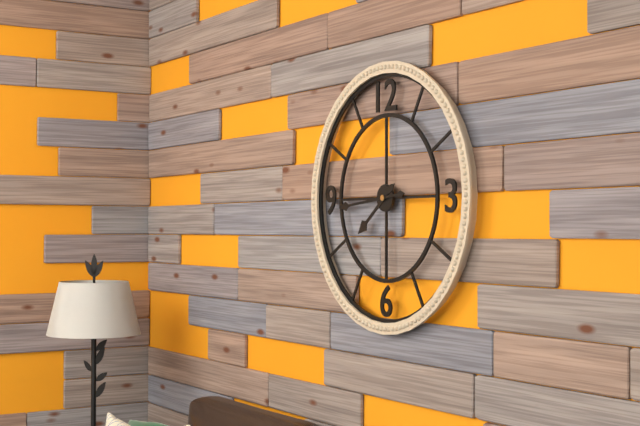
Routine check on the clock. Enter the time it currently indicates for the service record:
7:44
